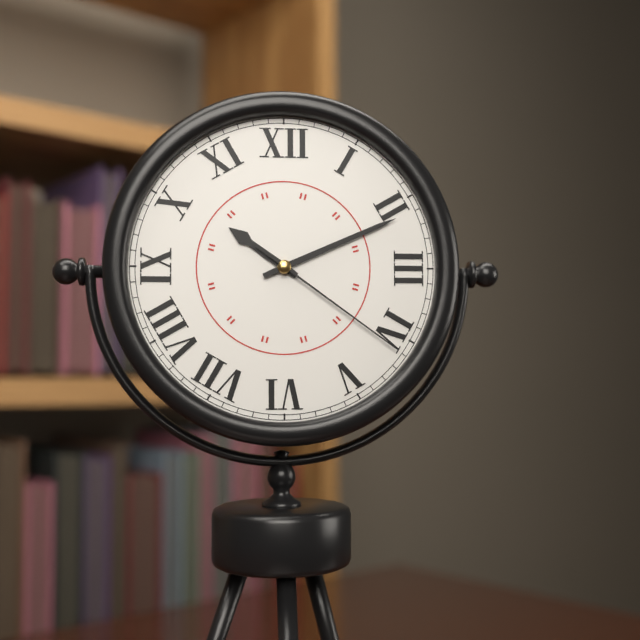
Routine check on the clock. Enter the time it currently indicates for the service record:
10:11:21
